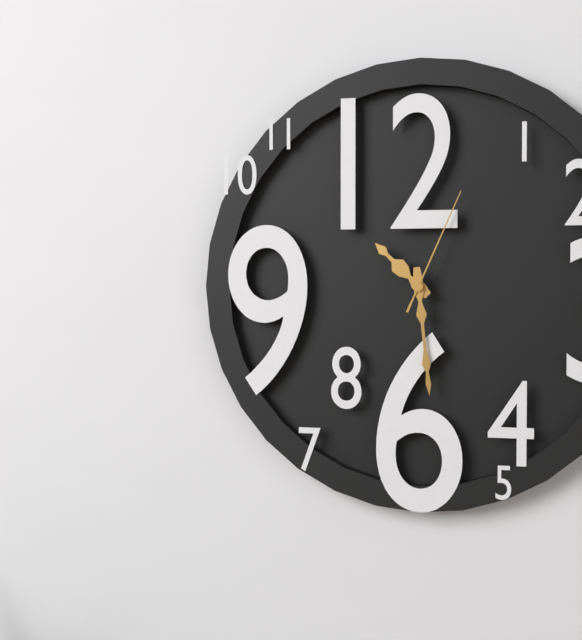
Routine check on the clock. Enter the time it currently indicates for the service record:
10:29:04
